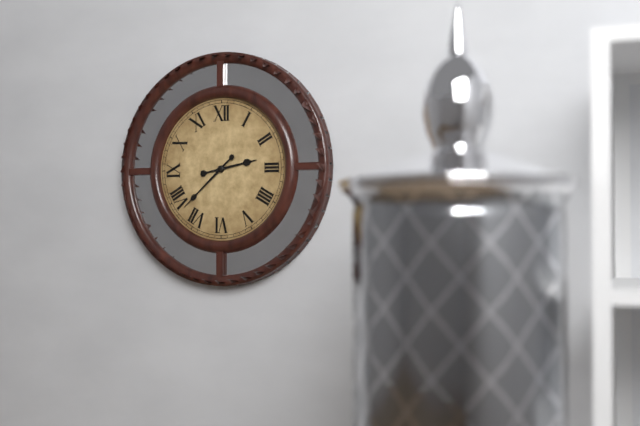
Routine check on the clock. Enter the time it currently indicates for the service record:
2:38
